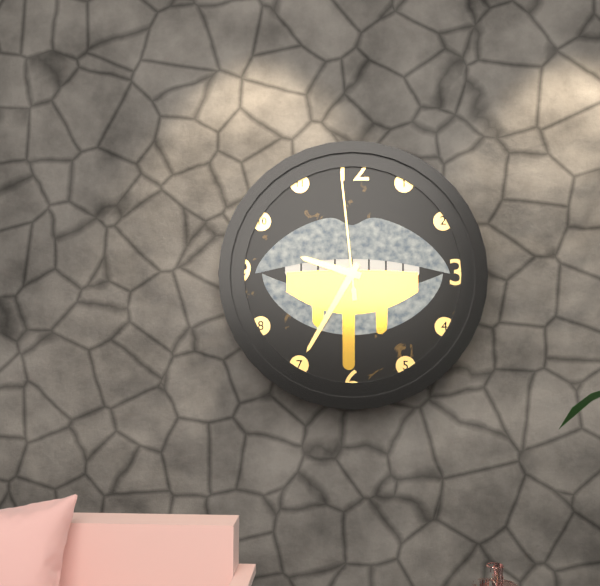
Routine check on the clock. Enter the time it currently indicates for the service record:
9:35:59
